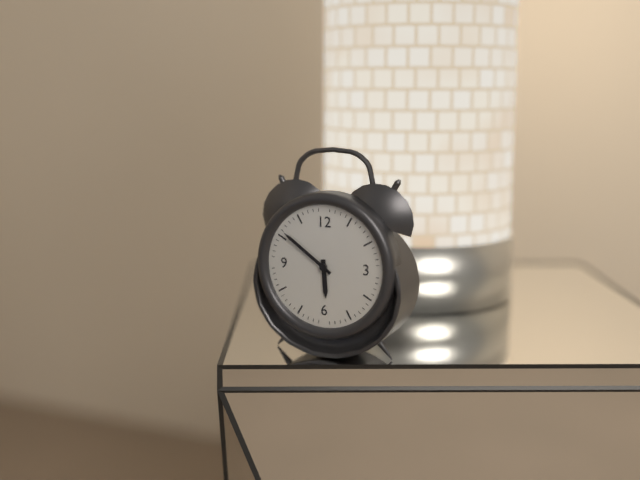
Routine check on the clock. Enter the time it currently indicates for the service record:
5:51
